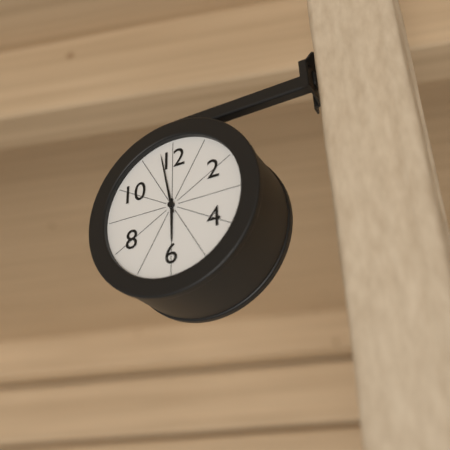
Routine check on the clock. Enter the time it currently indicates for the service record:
5:58
